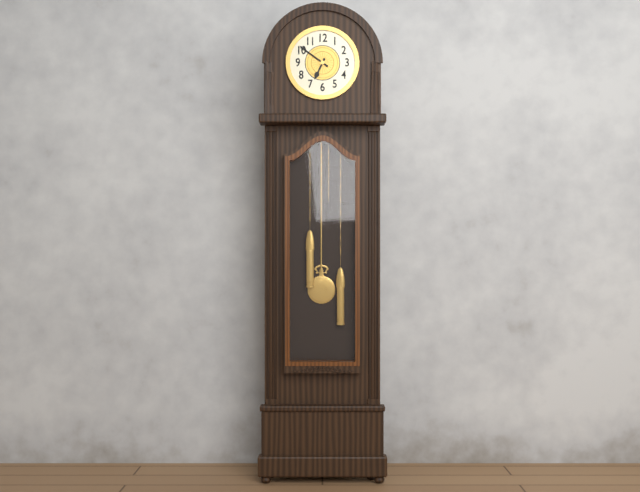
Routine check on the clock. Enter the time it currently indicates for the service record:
6:51
